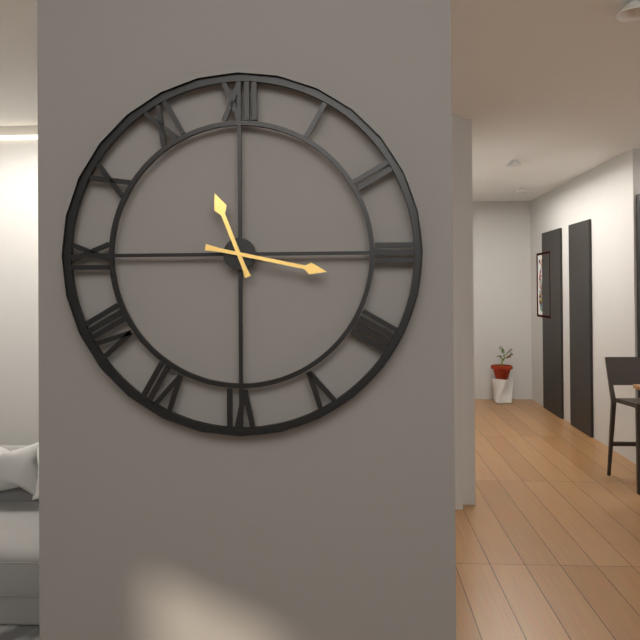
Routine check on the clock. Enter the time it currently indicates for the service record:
11:17
